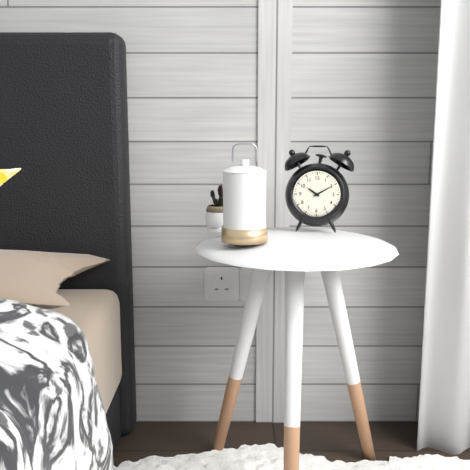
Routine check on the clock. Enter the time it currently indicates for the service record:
10:10
